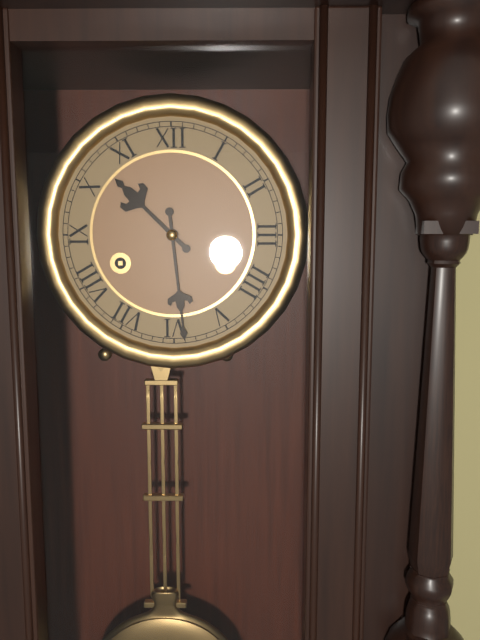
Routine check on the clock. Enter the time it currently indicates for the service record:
10:29
